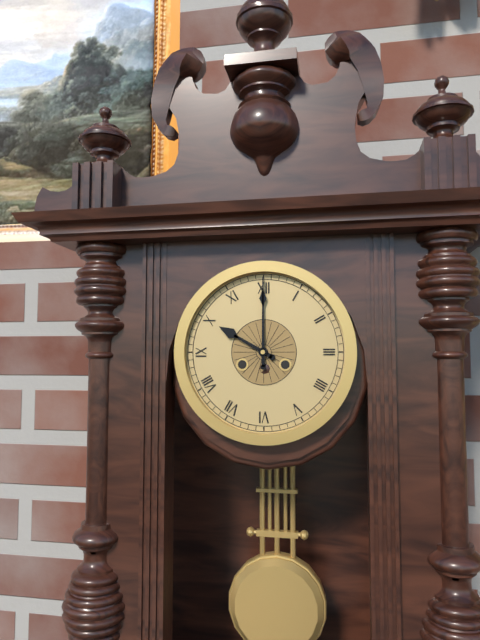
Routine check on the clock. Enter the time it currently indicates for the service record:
10:00
